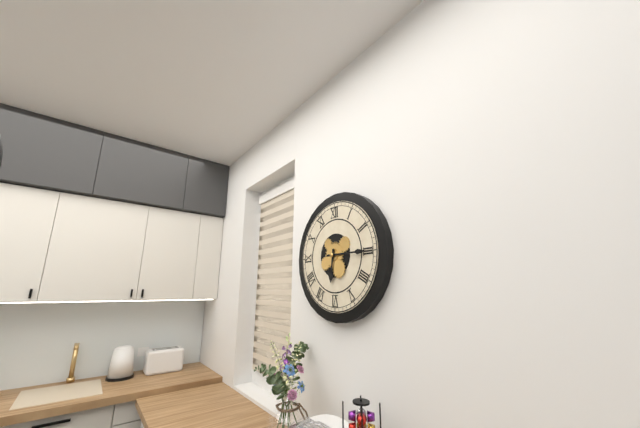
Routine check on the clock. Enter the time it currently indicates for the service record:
6:15
